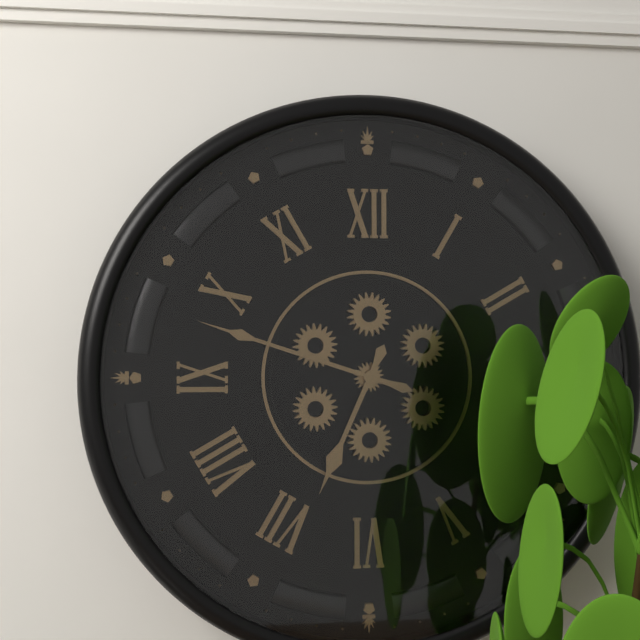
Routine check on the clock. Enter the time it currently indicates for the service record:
6:48
